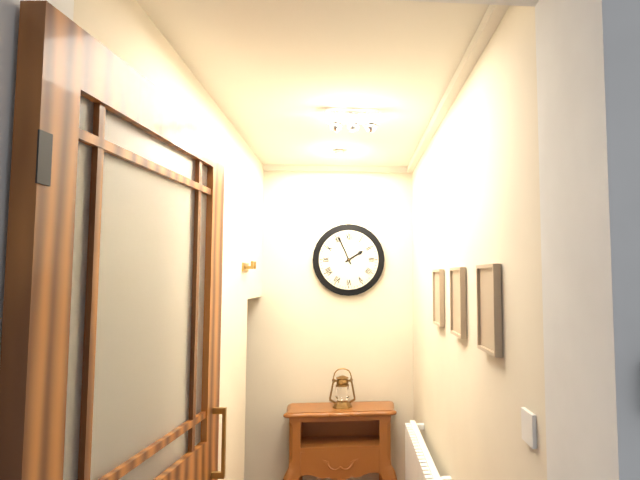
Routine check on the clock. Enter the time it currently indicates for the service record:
1:56
